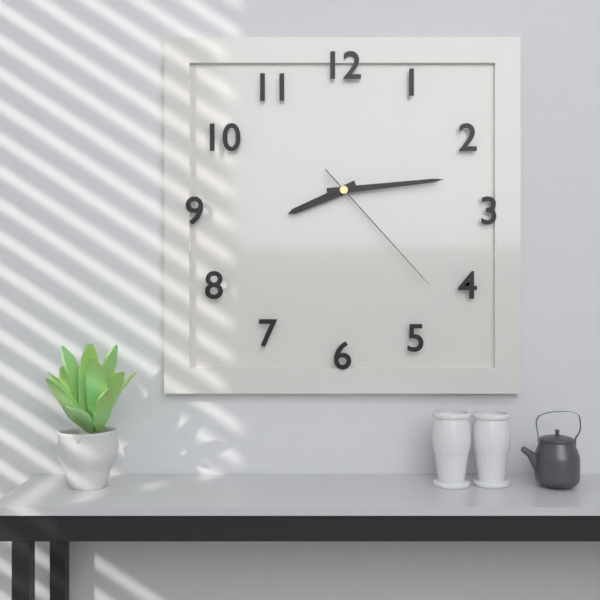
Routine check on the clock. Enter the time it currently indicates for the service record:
8:14:23
